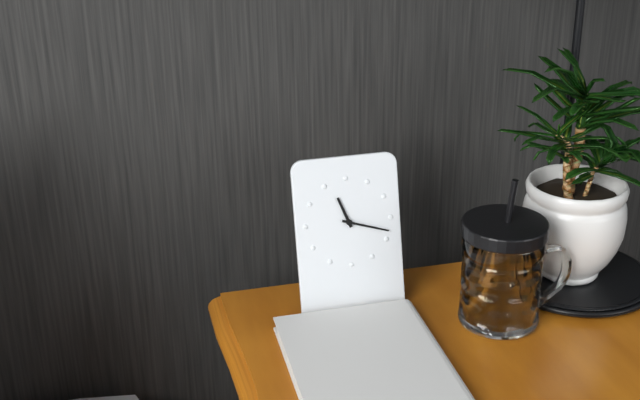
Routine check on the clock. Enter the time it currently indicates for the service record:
11:18
